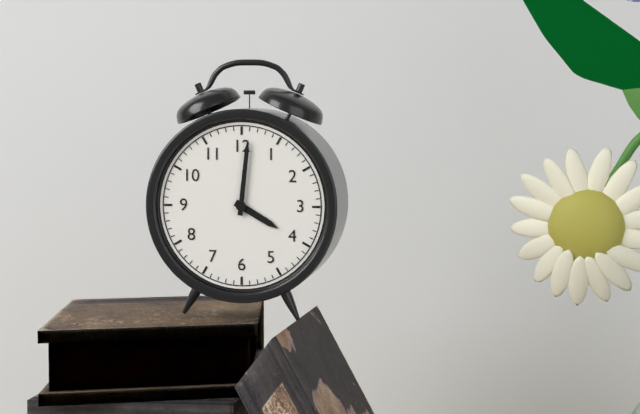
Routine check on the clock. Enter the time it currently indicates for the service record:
4:01
